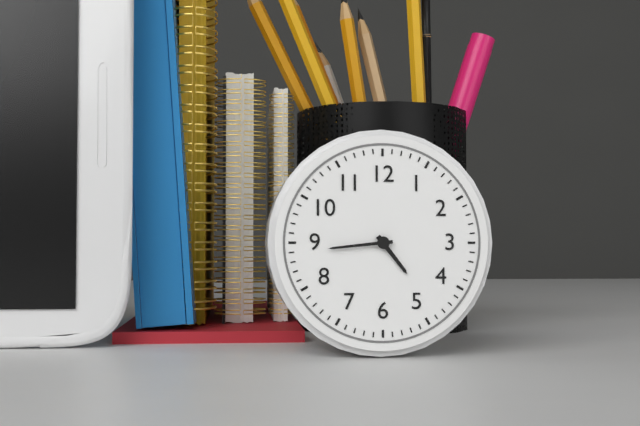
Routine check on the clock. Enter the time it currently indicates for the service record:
4:44
